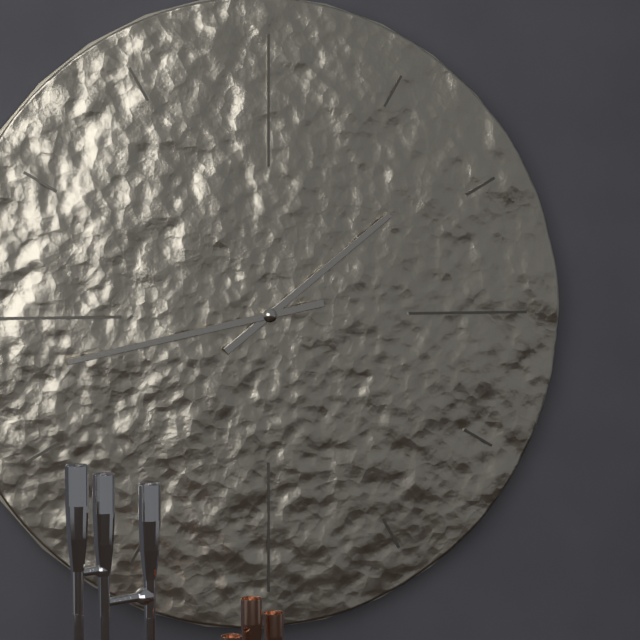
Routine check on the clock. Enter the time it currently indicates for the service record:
1:43
